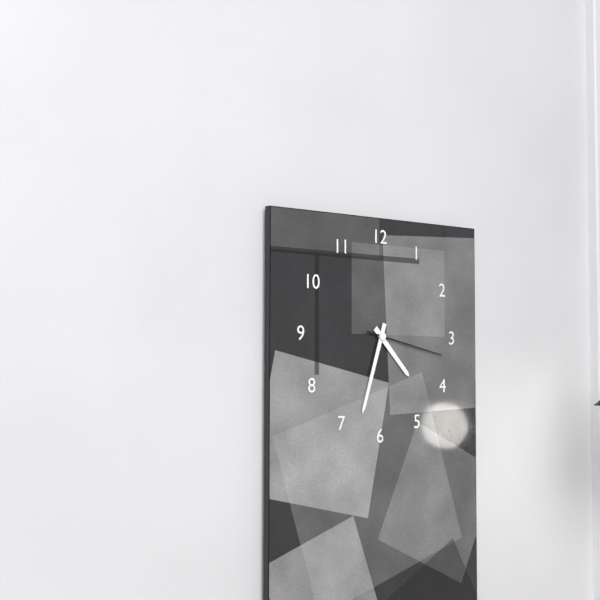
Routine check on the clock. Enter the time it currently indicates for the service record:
4:33:17
